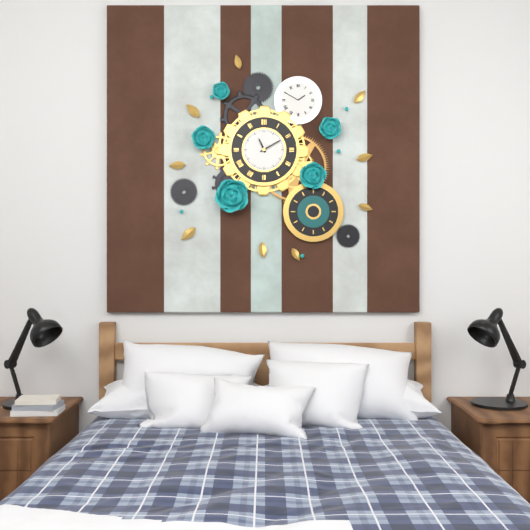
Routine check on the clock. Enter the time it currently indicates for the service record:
11:10
